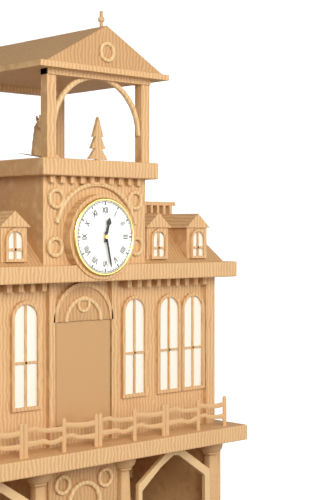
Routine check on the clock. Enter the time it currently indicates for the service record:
12:28
